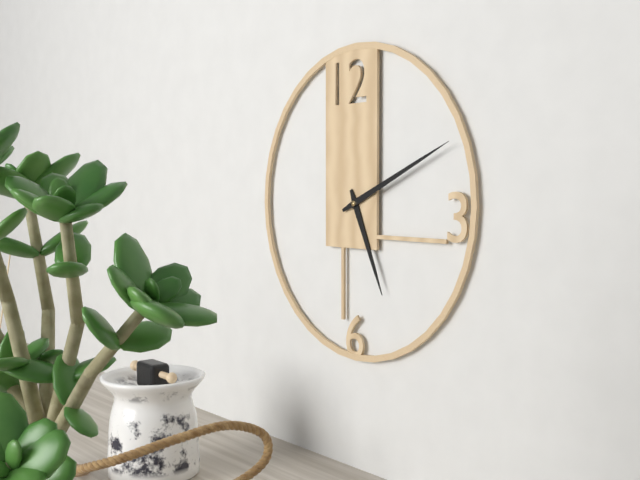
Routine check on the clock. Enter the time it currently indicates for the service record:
5:11
